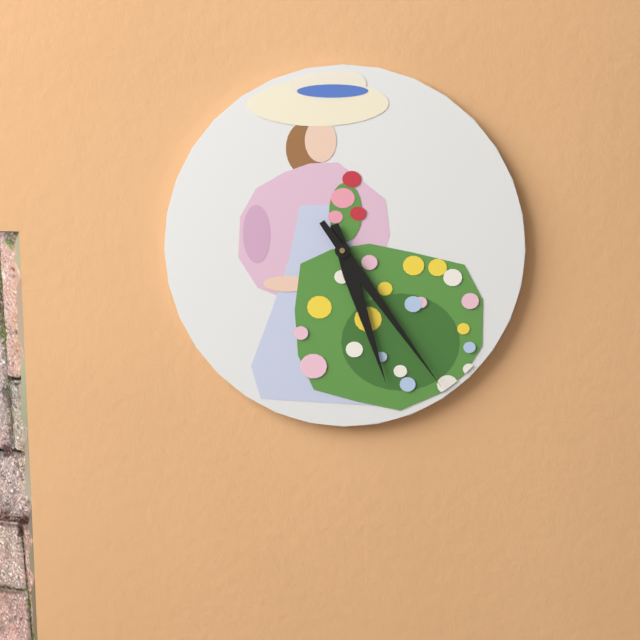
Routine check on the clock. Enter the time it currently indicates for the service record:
5:24
